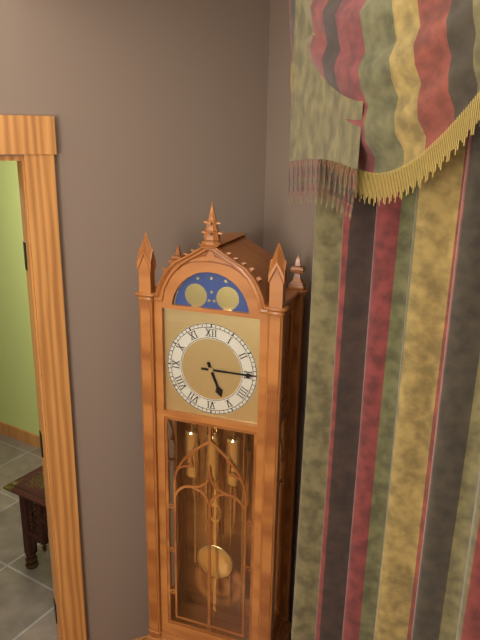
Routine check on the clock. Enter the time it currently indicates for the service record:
5:15
